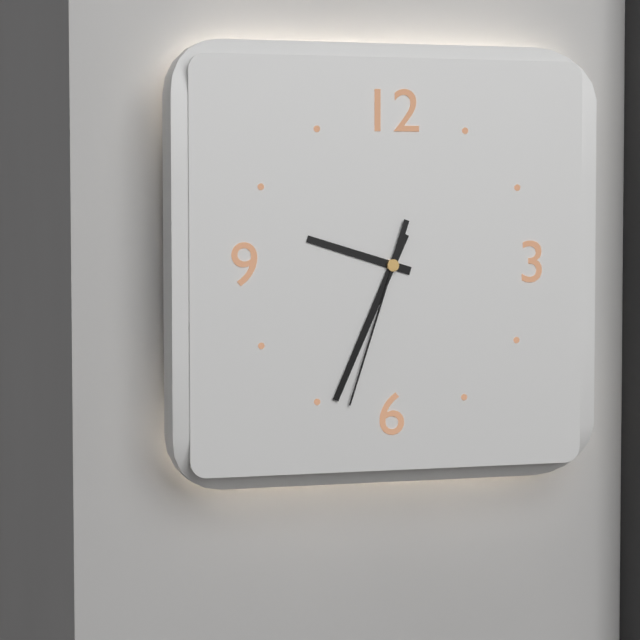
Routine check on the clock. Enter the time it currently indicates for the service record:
9:34:33
